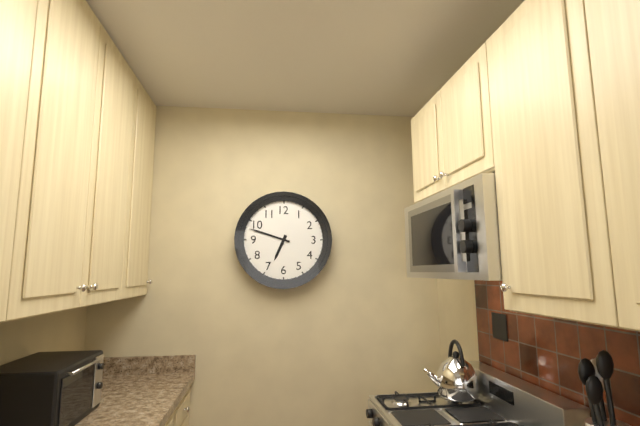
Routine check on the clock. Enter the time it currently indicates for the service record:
6:48
